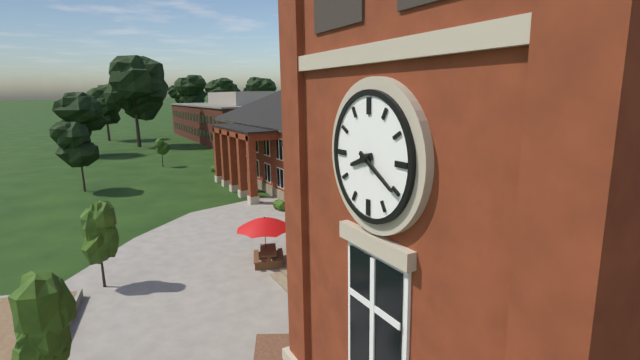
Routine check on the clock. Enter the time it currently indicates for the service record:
8:20
